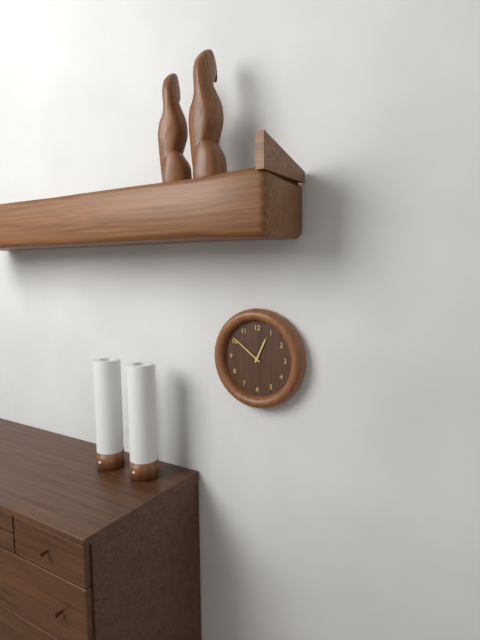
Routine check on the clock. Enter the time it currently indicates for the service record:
12:51
